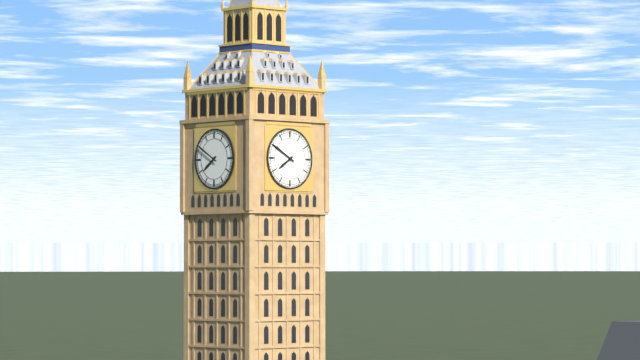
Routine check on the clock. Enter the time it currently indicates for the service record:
7:50
